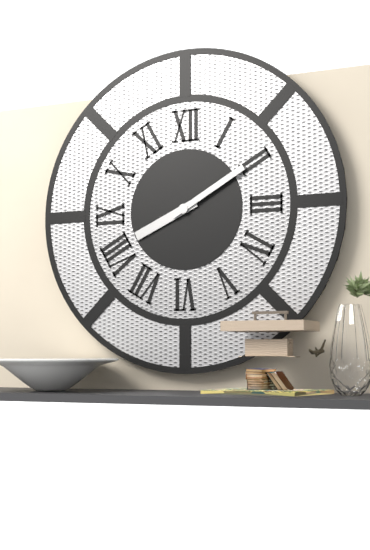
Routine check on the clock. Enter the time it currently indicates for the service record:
8:10
